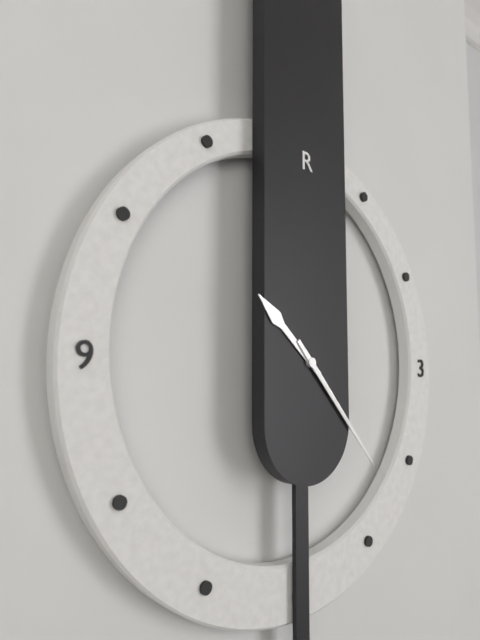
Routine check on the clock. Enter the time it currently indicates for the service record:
10:23
